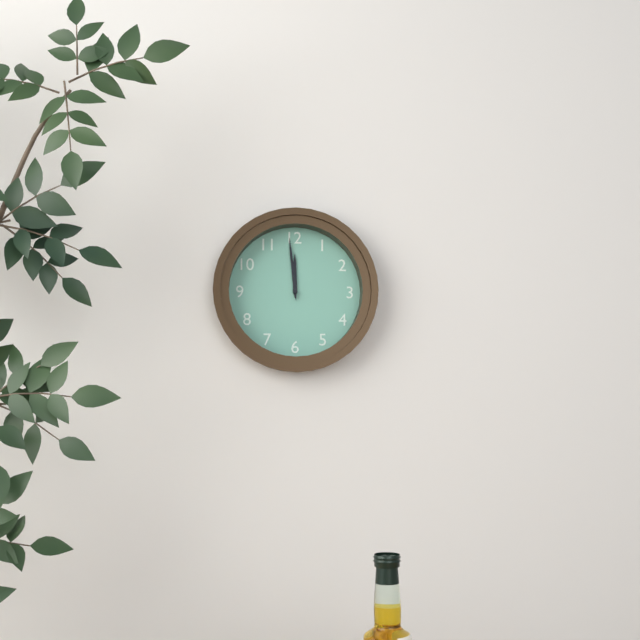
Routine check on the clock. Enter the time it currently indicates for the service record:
11:59
